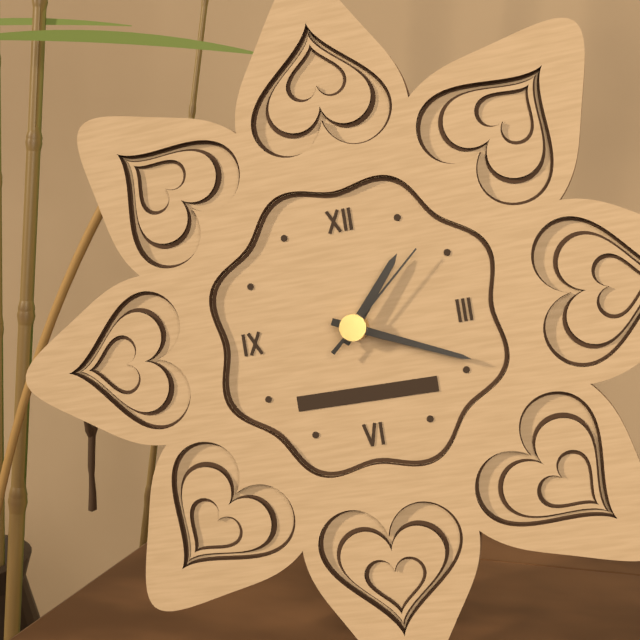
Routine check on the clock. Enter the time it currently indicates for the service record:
1:19:08
